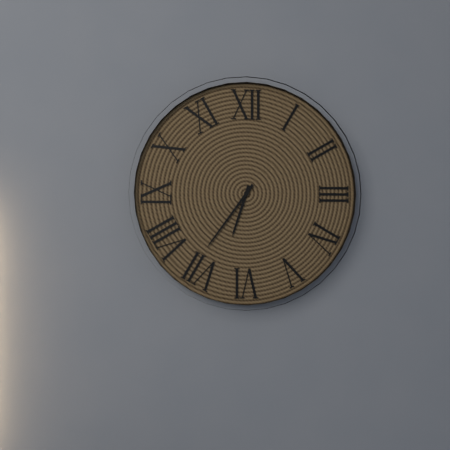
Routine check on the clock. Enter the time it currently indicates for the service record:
6:36
